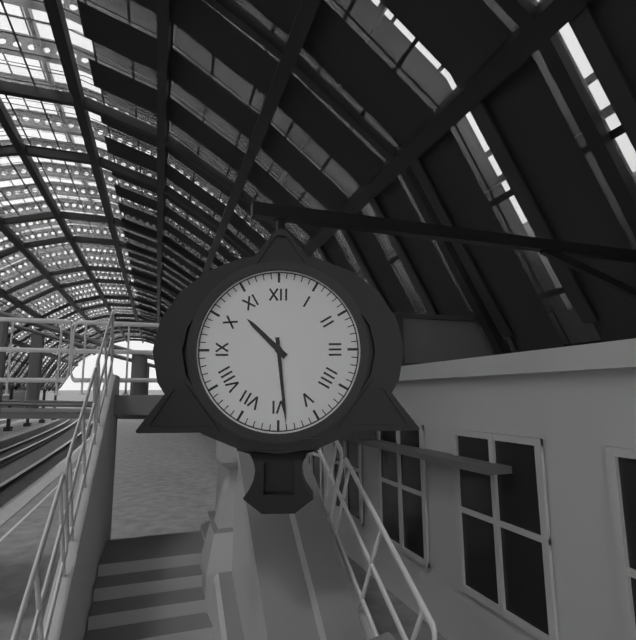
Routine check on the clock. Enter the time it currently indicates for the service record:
10:29
